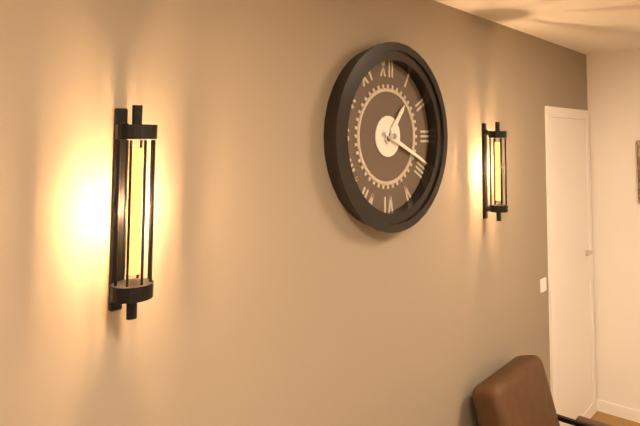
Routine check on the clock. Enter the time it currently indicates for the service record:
1:19
